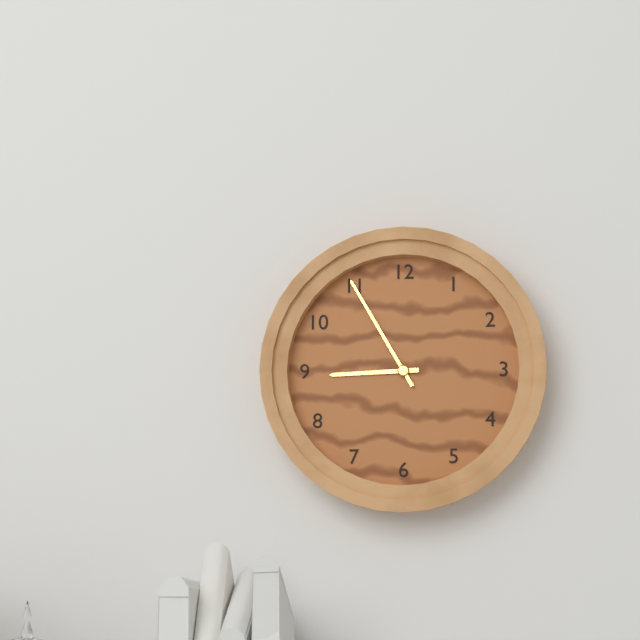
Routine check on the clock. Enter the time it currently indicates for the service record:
8:55
